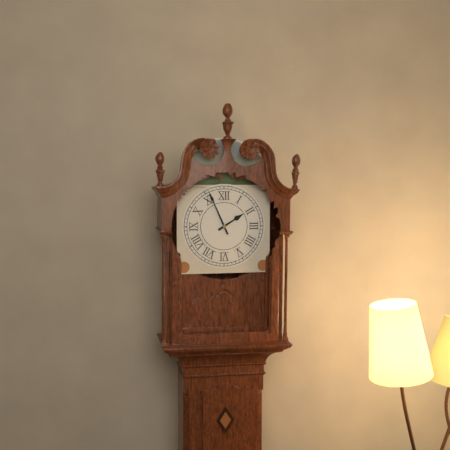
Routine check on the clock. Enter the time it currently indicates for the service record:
1:56
